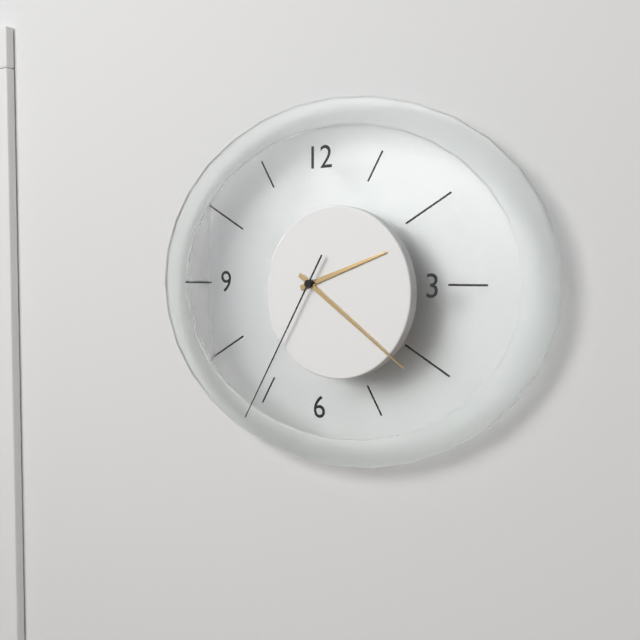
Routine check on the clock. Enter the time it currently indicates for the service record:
2:21:35
